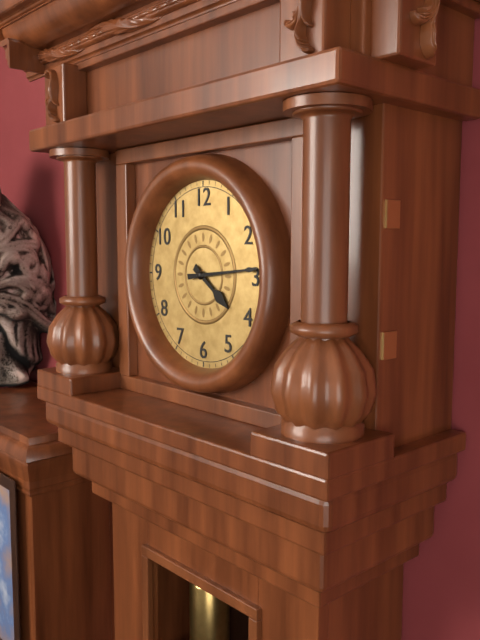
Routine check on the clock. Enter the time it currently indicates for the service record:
4:14
